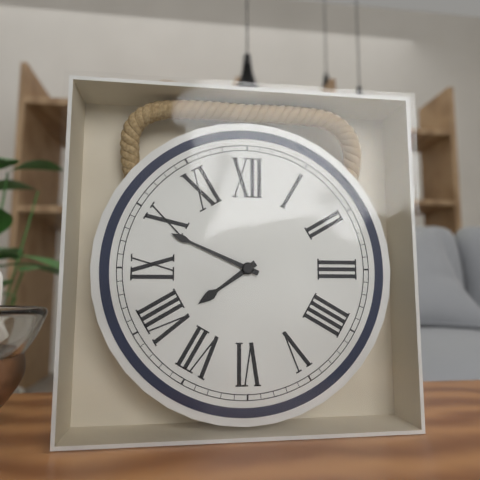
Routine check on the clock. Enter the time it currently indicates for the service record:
7:49
